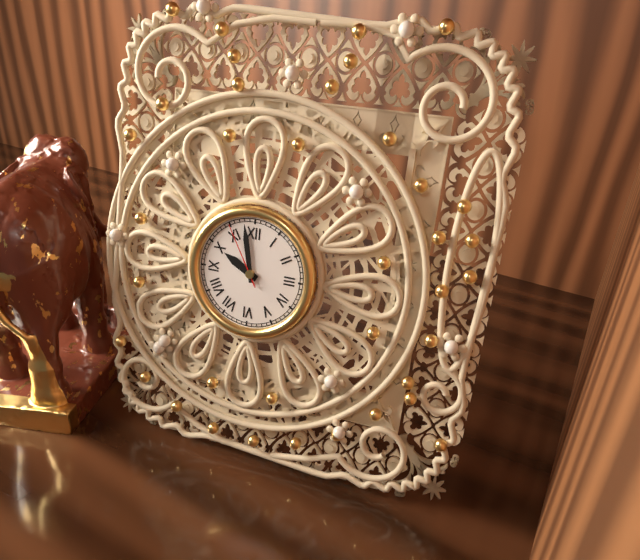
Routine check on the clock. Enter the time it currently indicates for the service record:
9:58:55
